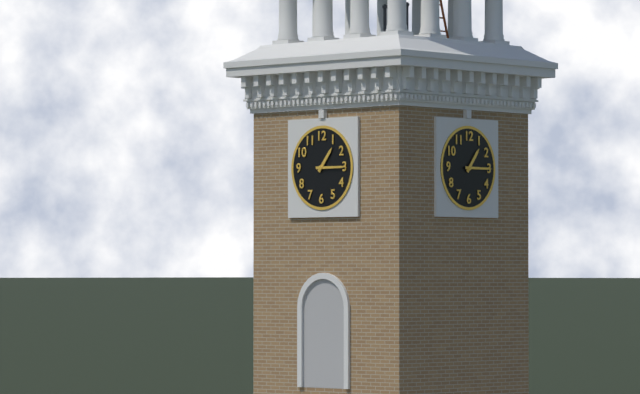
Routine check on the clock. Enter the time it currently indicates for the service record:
1:15
